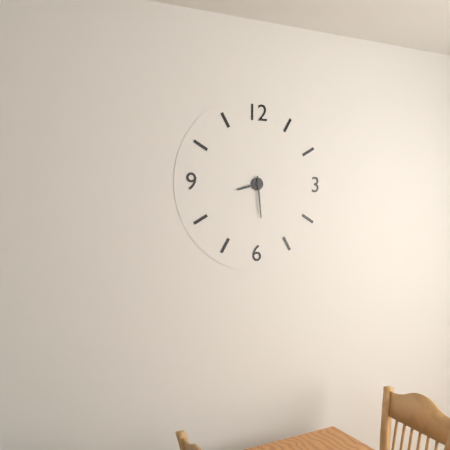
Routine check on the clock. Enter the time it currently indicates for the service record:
8:29
